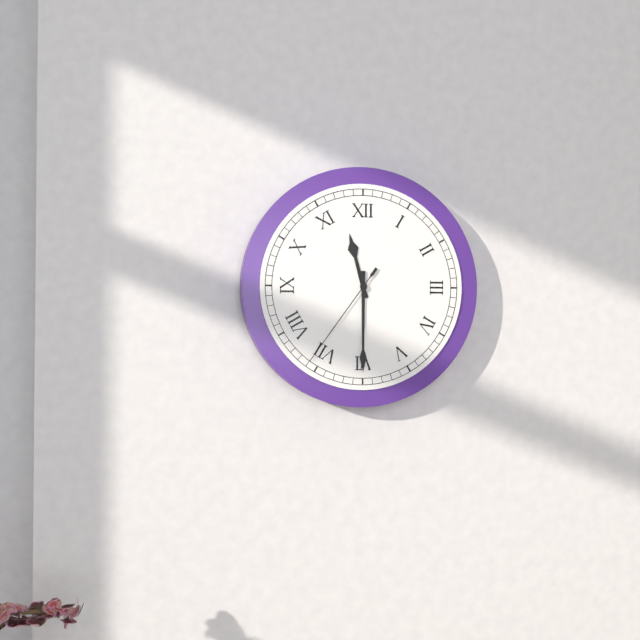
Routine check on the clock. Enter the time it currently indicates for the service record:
11:30:36
